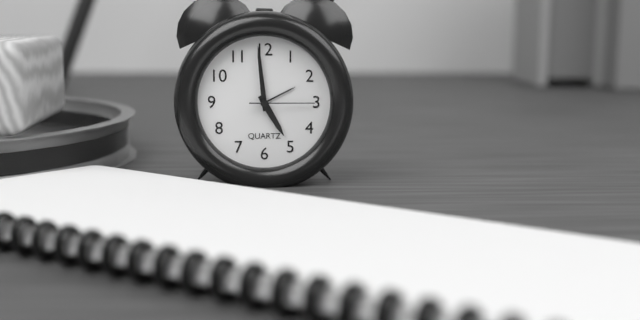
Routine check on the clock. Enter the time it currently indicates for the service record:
4:59:15
